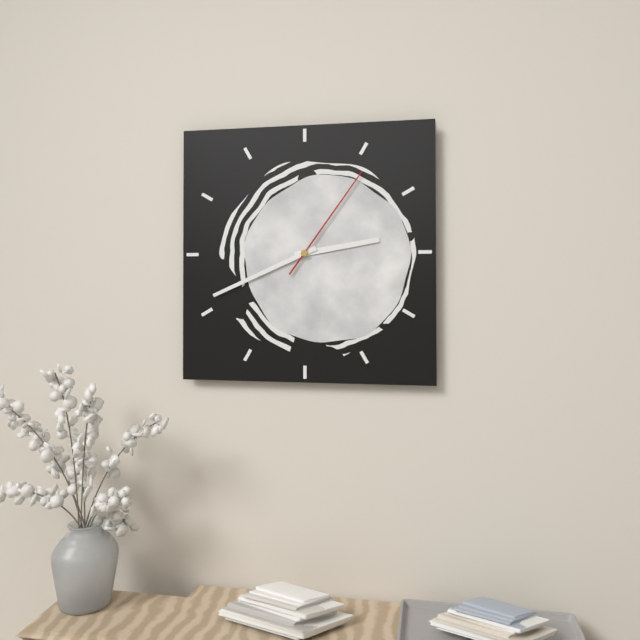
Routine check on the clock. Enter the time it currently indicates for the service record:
2:41:06
